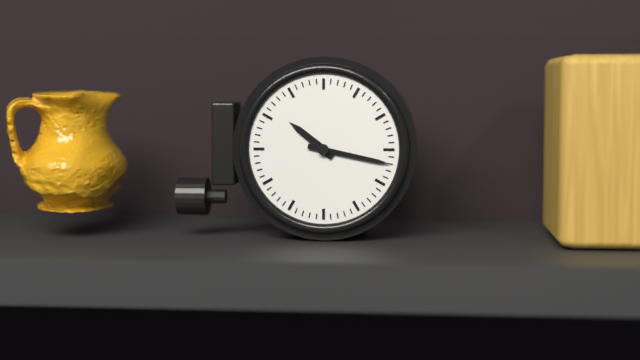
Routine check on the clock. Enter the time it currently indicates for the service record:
10:17
